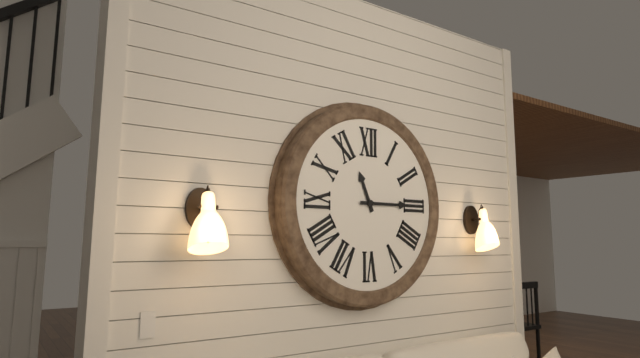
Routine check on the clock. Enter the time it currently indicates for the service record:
11:15
